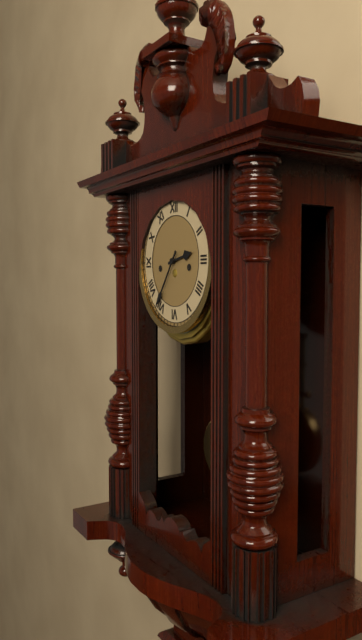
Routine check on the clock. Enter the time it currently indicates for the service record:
2:36
